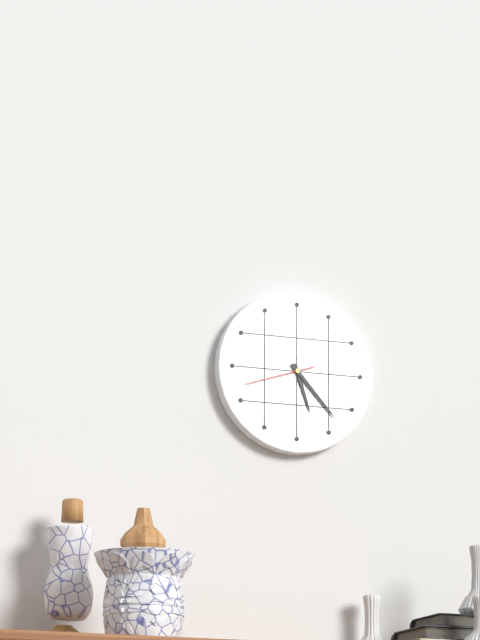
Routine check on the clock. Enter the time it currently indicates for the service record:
5:23:42
